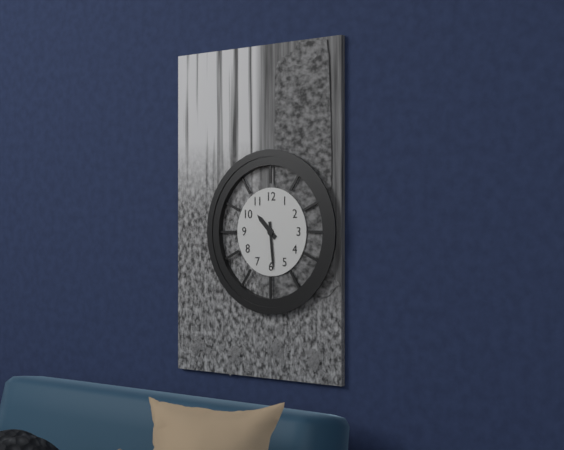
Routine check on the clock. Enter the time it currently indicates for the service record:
10:29
